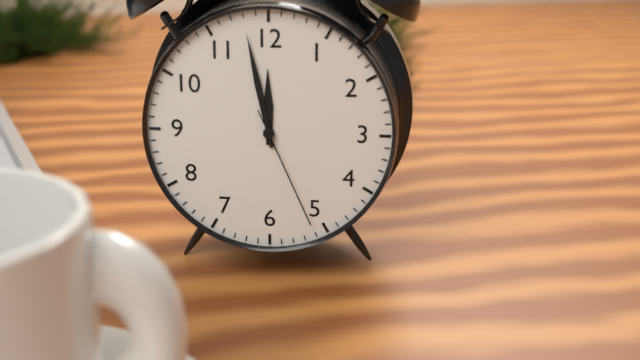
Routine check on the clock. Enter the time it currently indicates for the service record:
11:58:26
